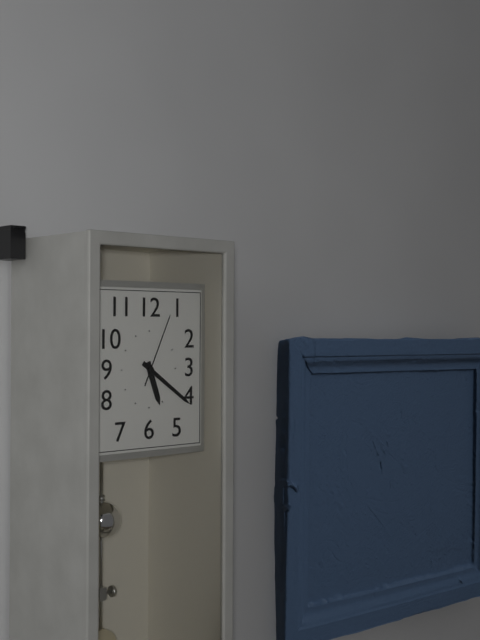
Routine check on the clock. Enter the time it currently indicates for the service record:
5:21:04
